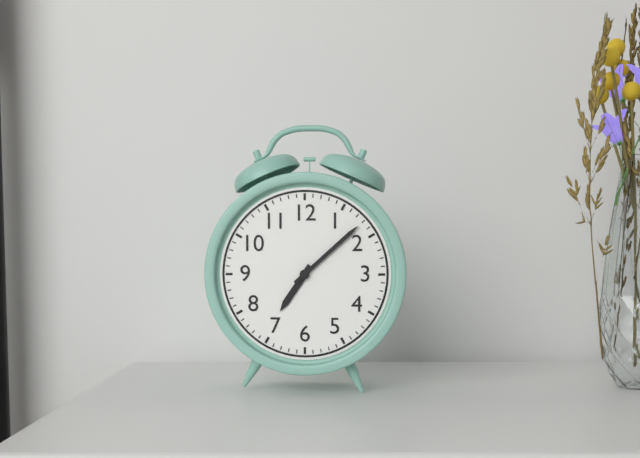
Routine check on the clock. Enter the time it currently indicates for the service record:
7:08
